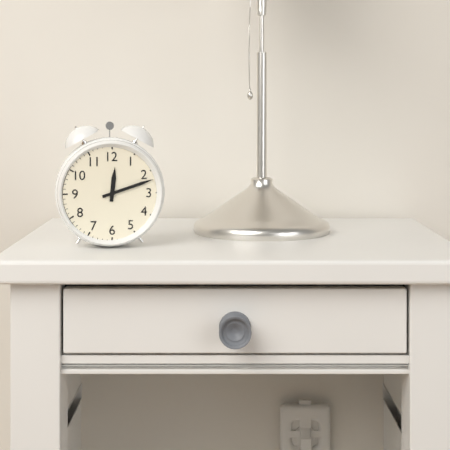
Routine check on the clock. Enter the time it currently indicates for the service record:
12:12
